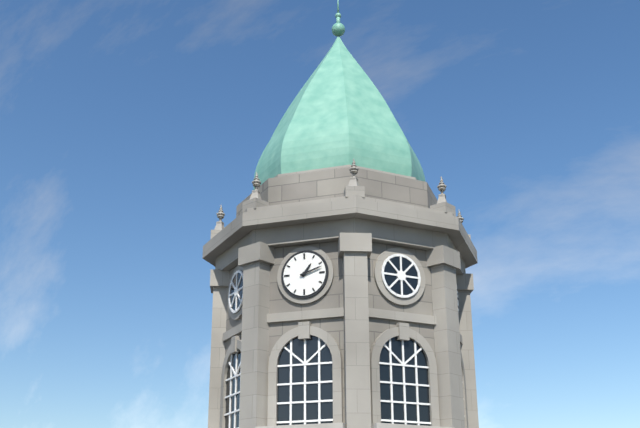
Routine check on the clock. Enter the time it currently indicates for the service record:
1:12
